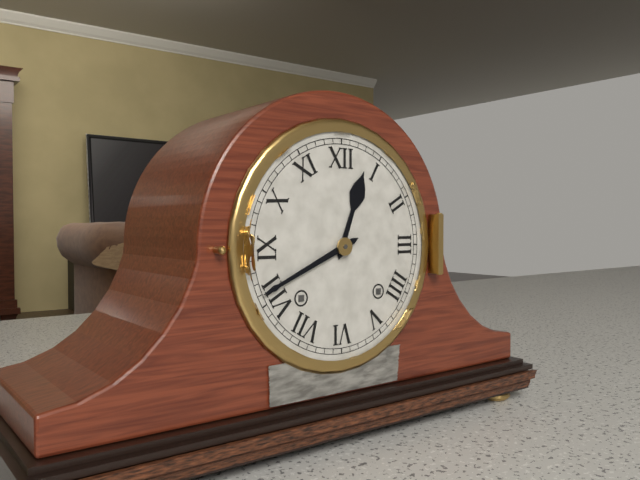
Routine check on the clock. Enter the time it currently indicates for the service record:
12:41
